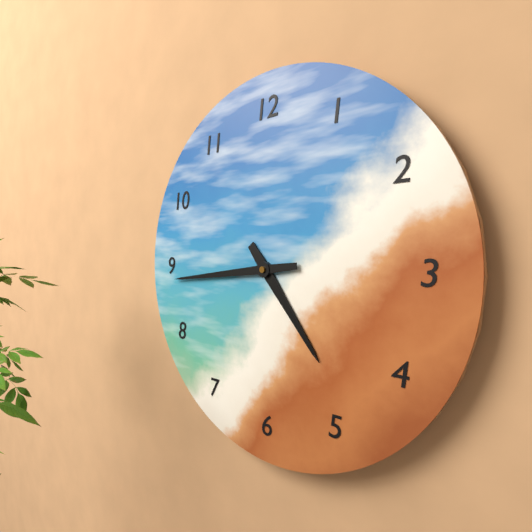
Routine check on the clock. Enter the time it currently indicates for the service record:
4:44
